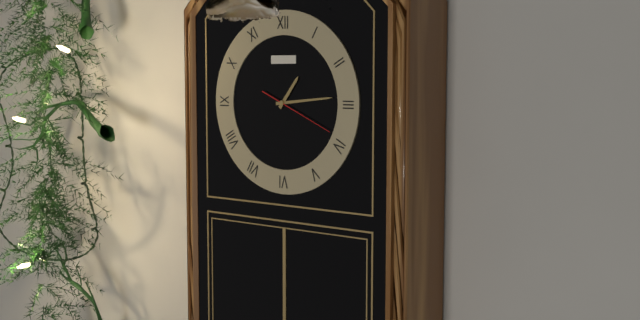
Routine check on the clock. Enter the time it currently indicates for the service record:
1:14:19
